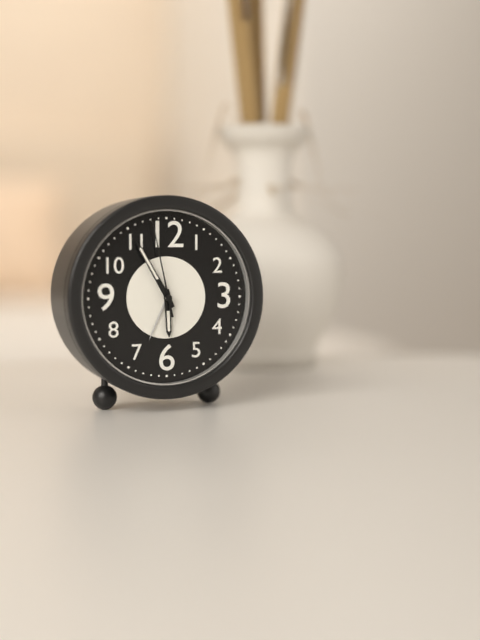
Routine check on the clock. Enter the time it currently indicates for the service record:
5:55:58
